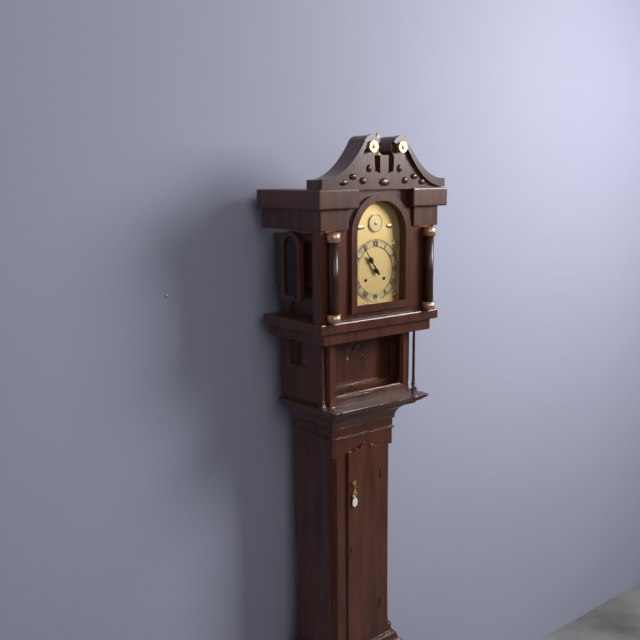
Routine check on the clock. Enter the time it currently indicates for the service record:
10:54
